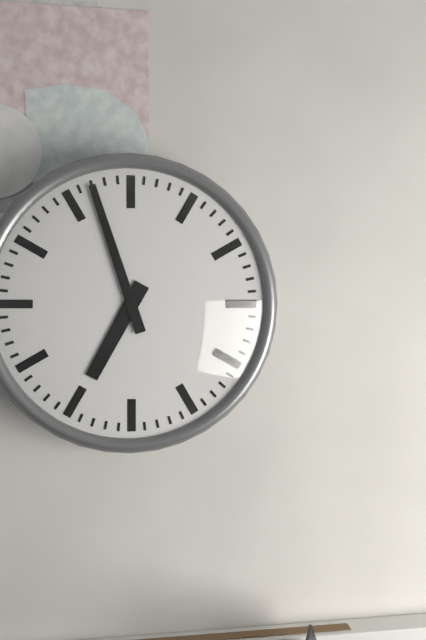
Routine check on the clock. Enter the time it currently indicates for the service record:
6:57
